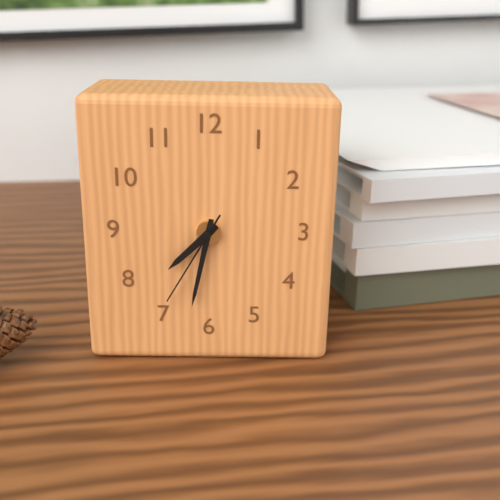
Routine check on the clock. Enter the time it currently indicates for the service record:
7:32:35
